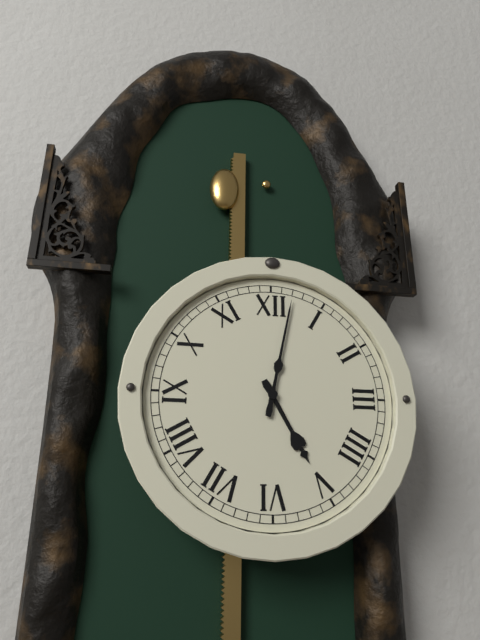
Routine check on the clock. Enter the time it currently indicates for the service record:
5:02
